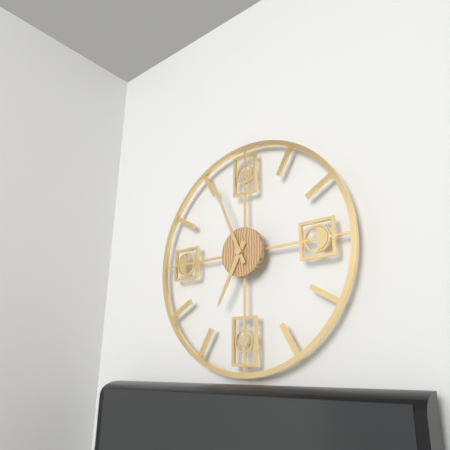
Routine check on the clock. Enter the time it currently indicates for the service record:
6:56
